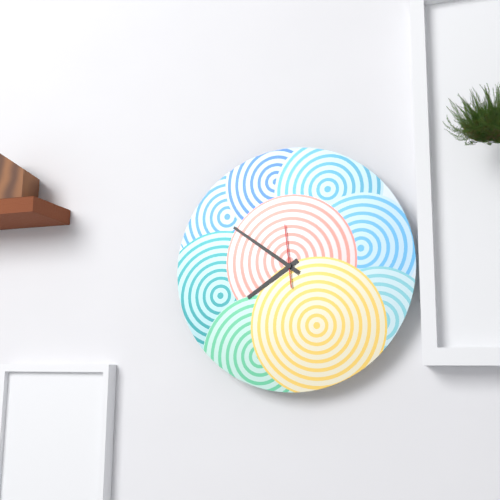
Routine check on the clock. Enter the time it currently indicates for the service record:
7:51:59
